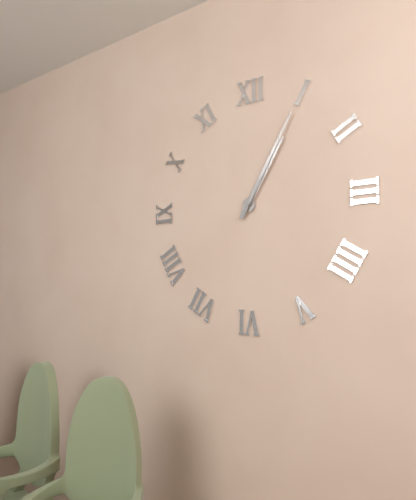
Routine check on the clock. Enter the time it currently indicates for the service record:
1:05
